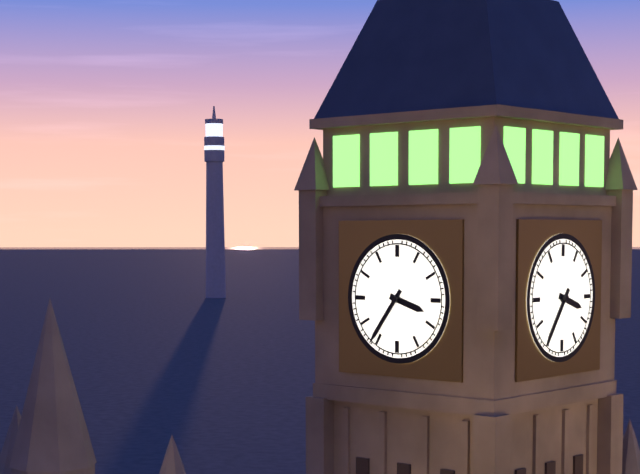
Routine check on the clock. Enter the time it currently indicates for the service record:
3:36
